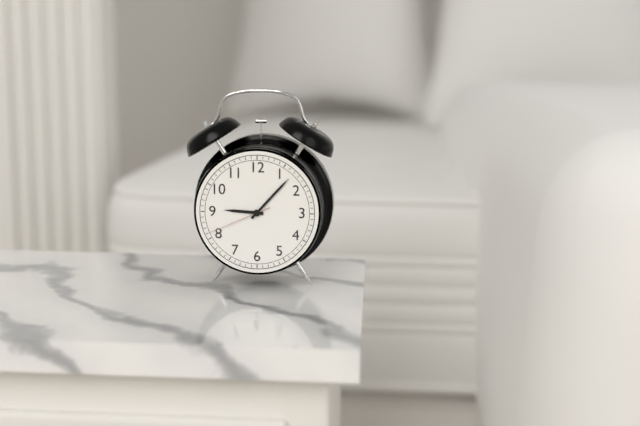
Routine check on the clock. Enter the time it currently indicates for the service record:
9:07:41
